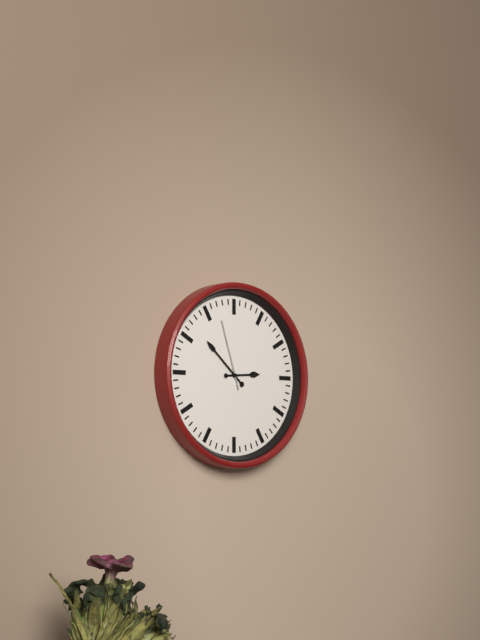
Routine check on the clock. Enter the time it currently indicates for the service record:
2:52:57
